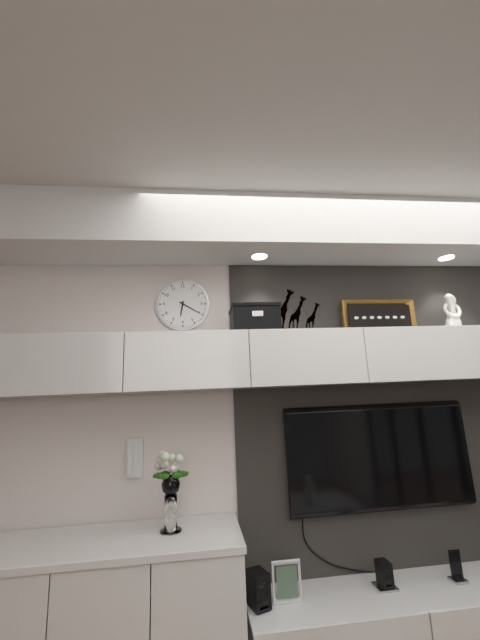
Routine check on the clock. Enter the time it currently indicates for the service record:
6:20
